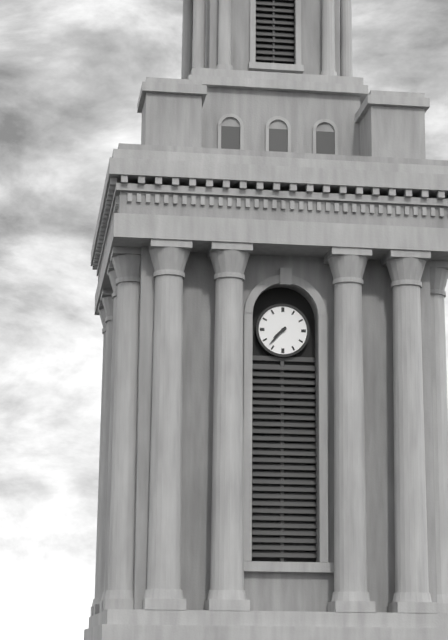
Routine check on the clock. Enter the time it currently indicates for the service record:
7:37
